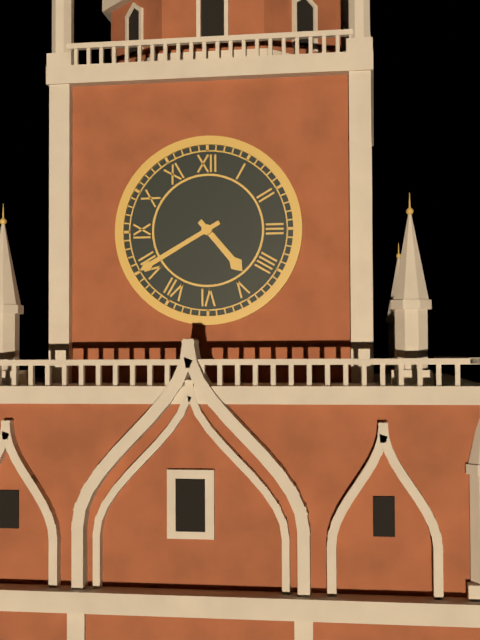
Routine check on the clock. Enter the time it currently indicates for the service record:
4:40
